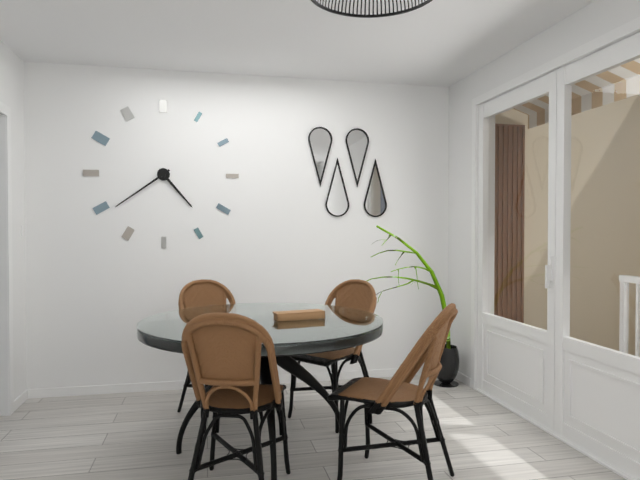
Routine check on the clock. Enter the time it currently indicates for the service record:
4:39
